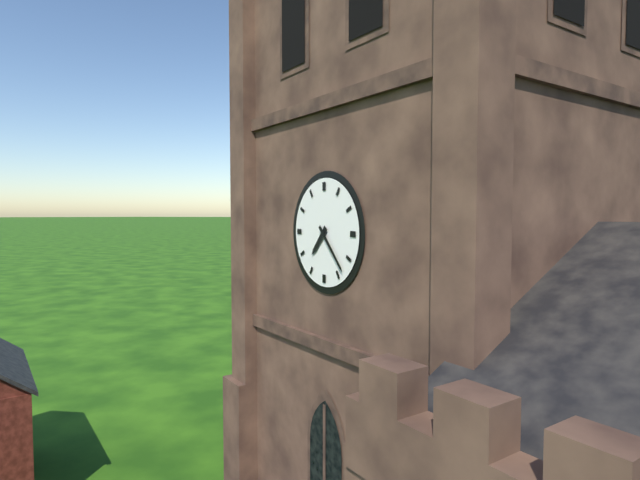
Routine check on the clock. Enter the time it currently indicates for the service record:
7:23
